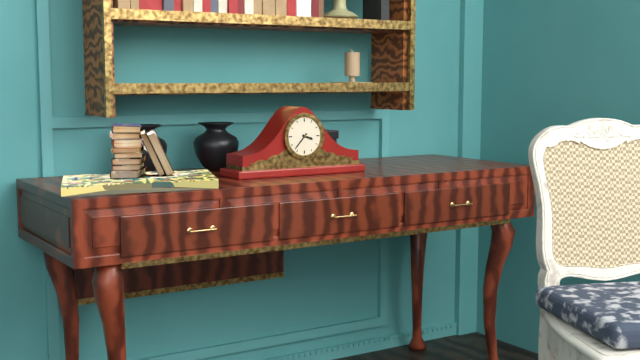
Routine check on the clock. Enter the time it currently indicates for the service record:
3:37
